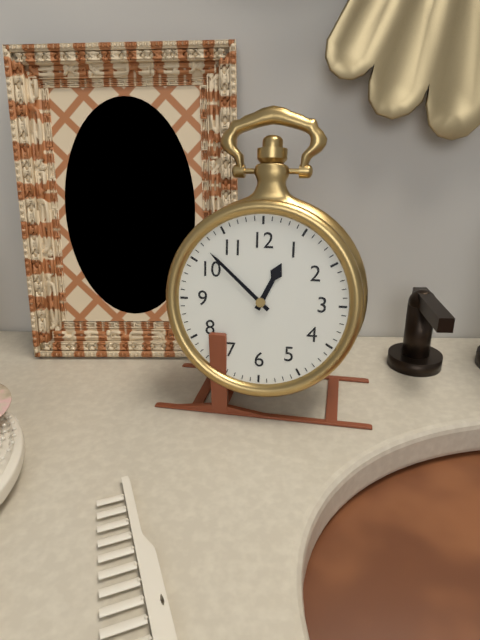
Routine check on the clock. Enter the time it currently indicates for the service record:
12:52
